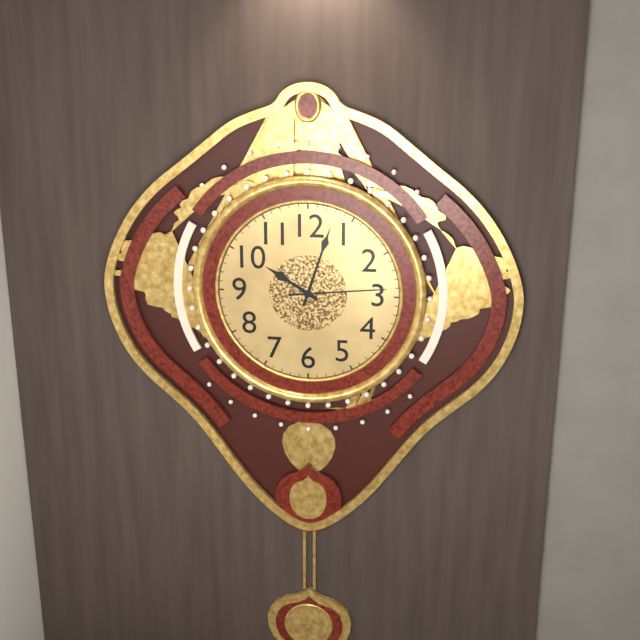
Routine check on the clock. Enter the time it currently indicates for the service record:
10:03:14
